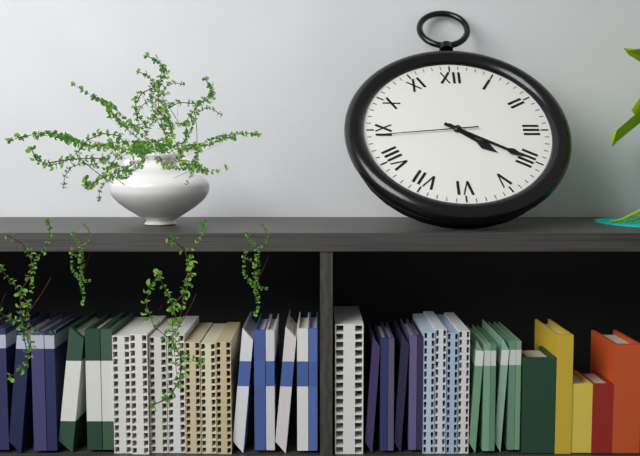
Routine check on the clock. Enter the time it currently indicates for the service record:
4:20:44
